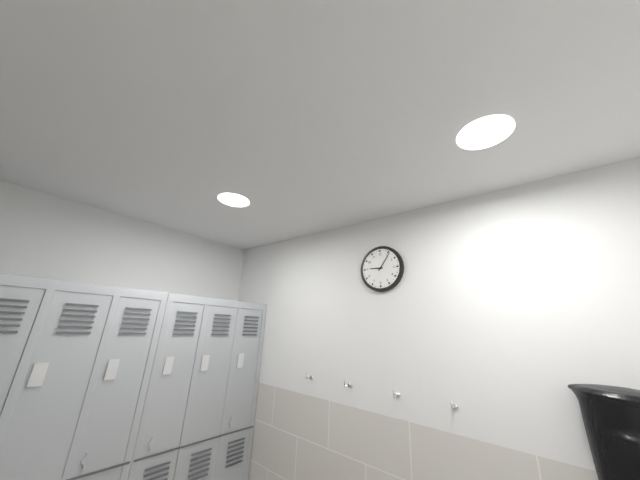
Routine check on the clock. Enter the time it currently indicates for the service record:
9:06
